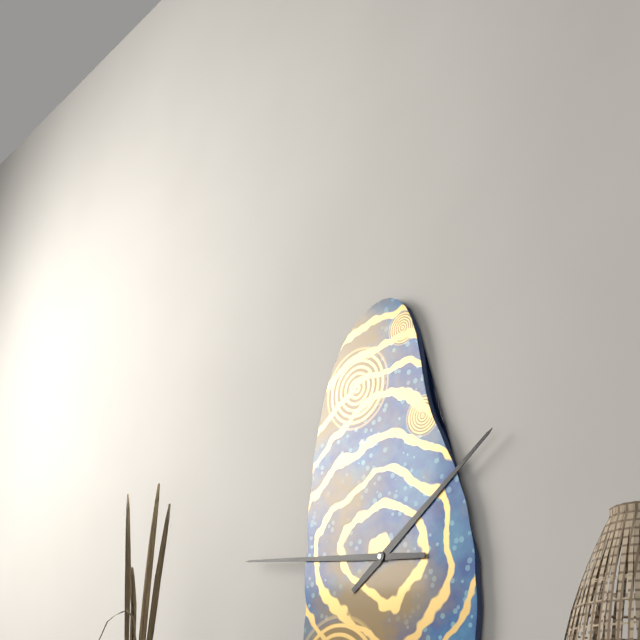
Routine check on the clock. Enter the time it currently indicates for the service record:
1:46
